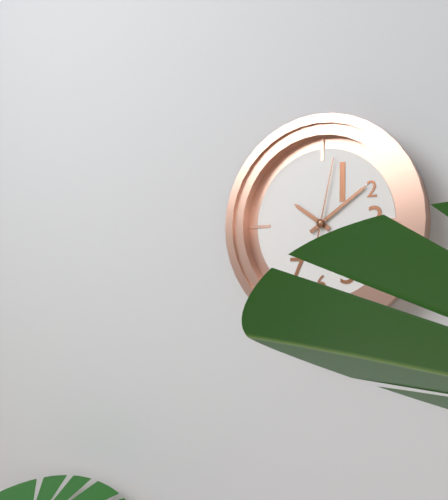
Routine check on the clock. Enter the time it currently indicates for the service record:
10:09:02
